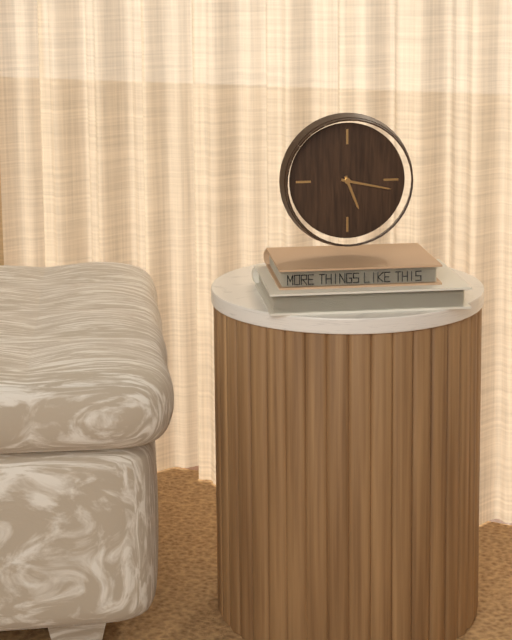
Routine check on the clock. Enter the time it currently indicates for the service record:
5:17
